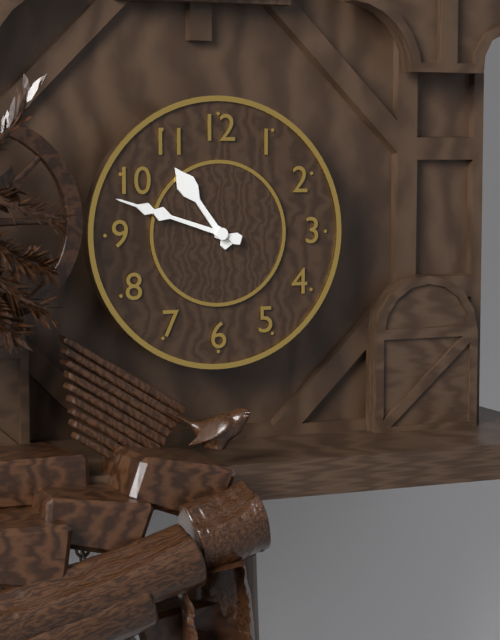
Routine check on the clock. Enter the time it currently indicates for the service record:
10:48
